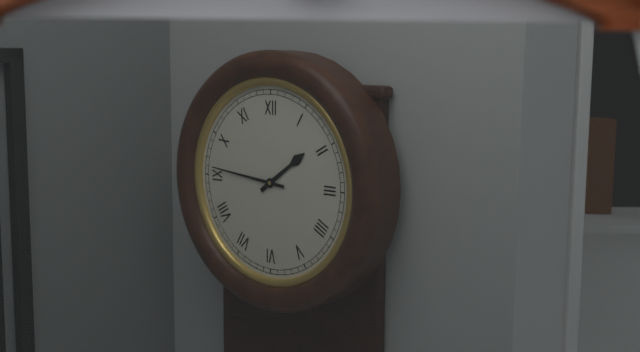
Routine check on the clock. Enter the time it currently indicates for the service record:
1:46
